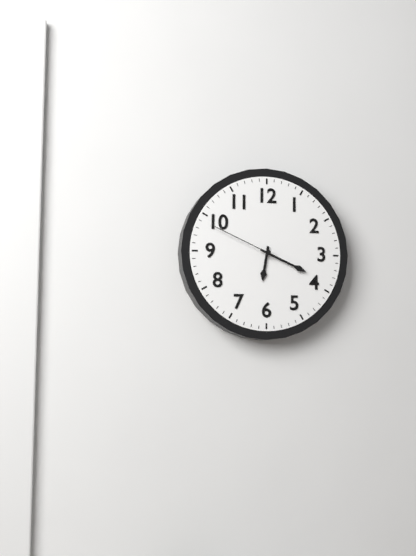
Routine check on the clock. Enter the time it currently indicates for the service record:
6:19:49
